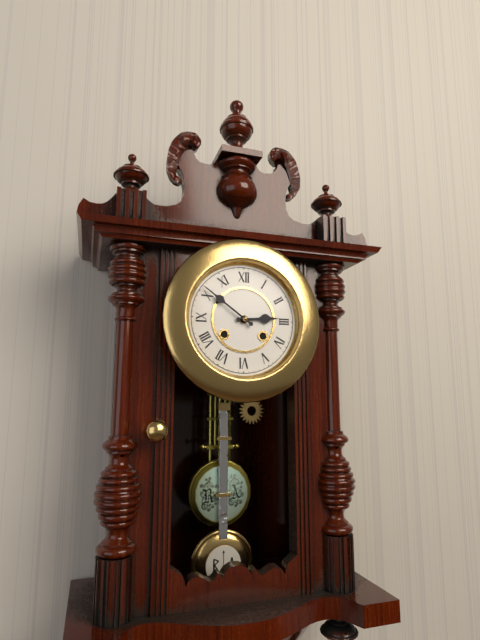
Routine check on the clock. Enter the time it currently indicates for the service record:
2:51
